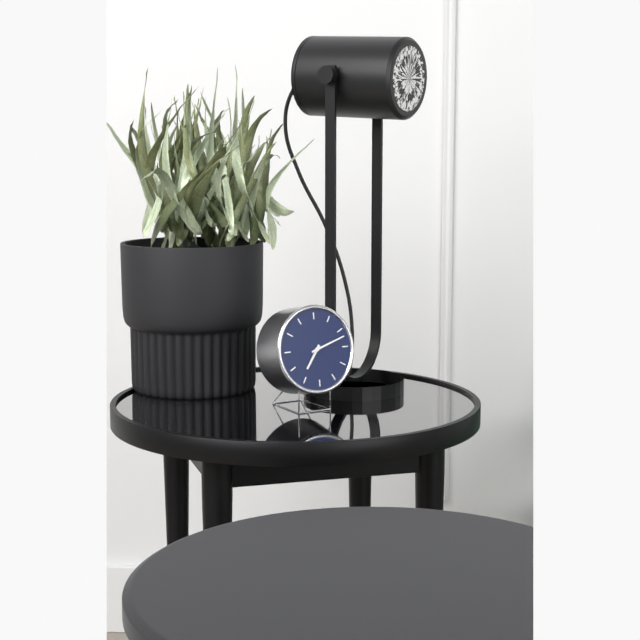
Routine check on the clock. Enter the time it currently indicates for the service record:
7:12
